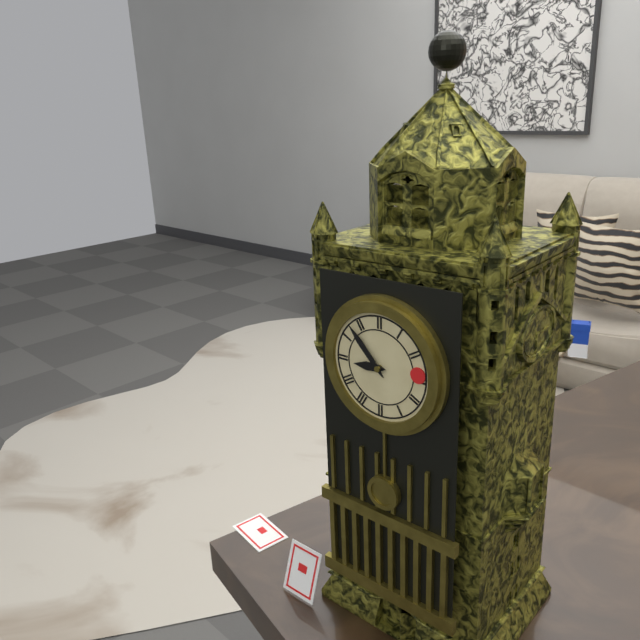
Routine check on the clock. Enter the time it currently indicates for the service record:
8:53
